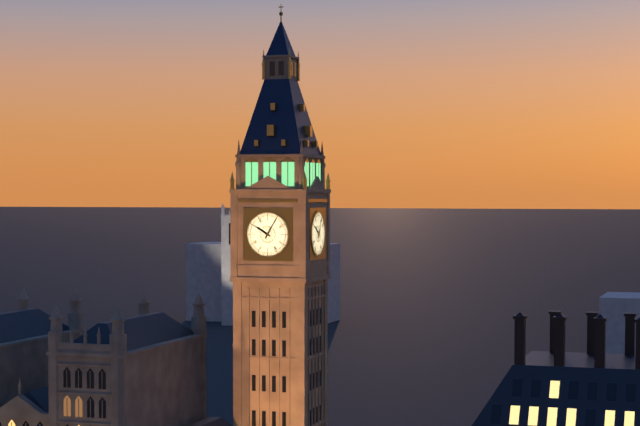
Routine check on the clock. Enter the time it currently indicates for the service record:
10:05
